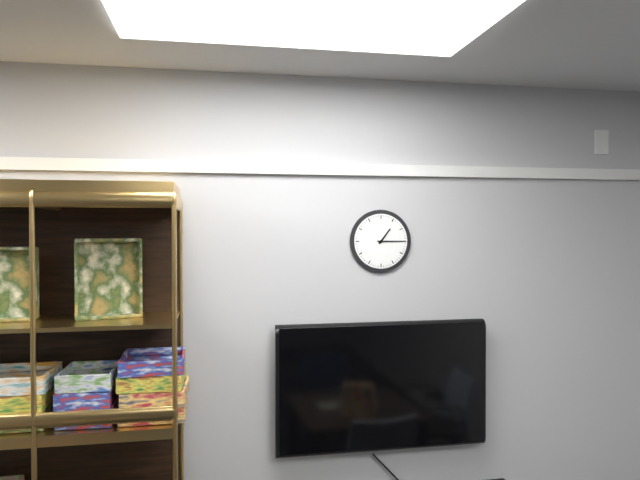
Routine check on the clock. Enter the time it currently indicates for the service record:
1:15
